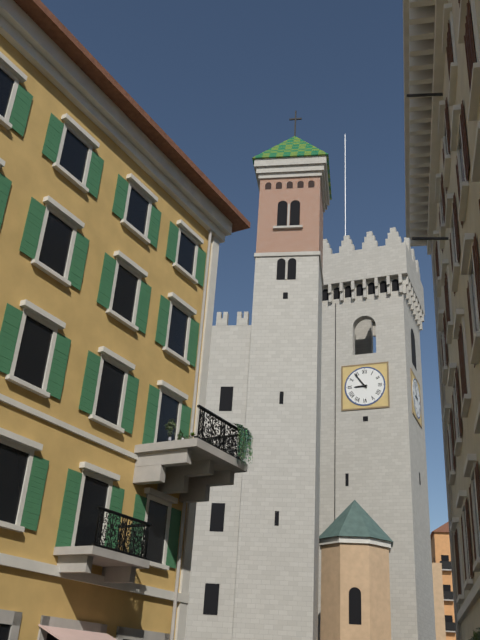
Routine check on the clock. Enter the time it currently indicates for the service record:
8:54
